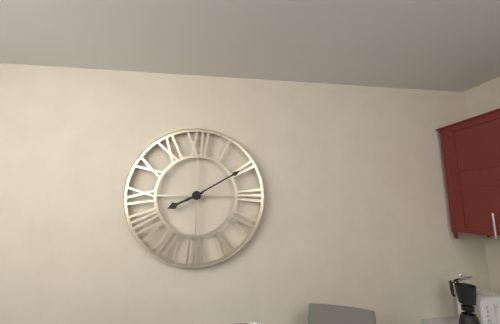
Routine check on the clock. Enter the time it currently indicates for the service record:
8:10
